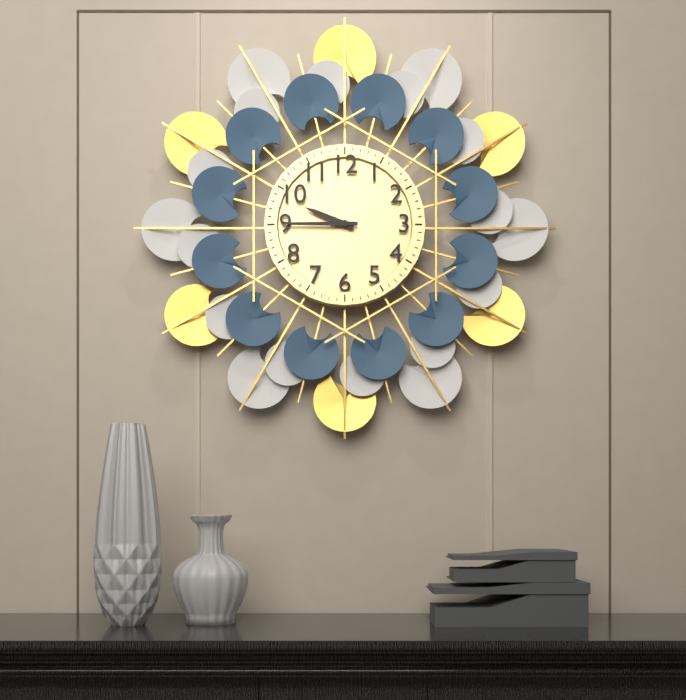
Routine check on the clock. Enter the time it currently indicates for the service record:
9:45
